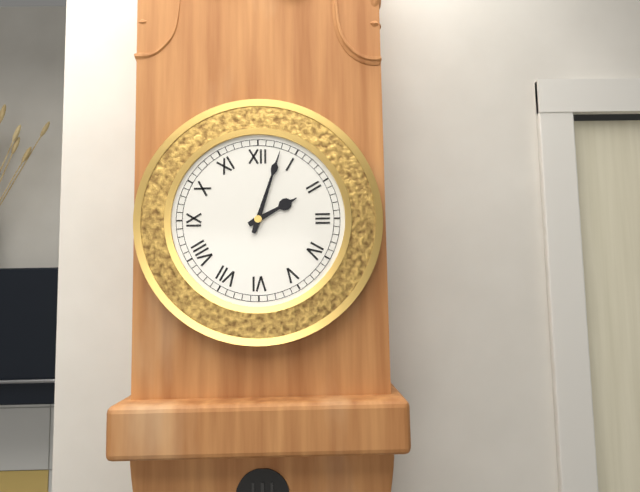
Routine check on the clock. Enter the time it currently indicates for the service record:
2:03
